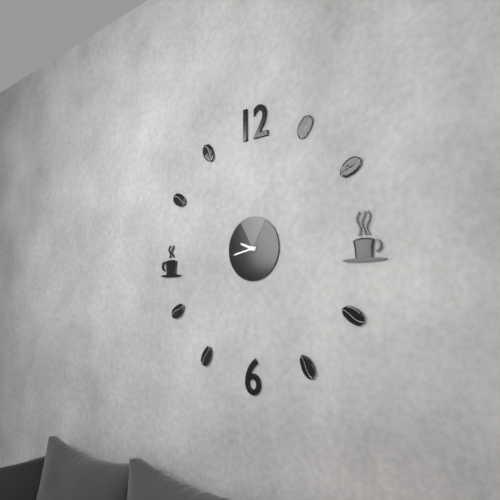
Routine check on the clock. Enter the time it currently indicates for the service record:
9:43
